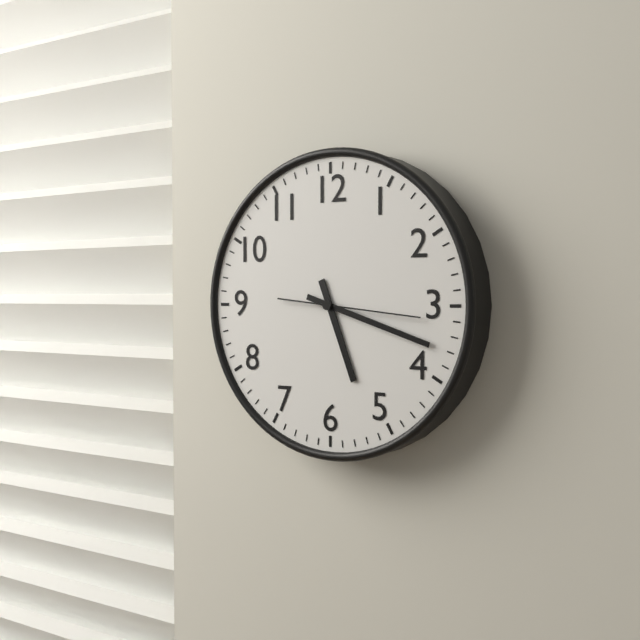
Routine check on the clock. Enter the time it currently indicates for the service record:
5:18:16
